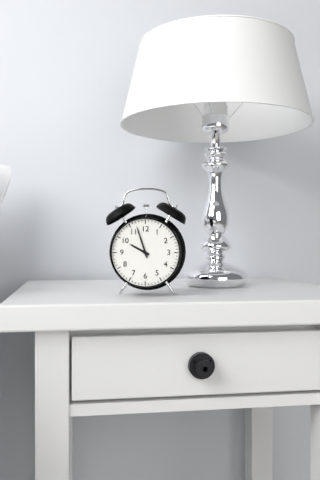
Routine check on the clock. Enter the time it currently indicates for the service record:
9:57
